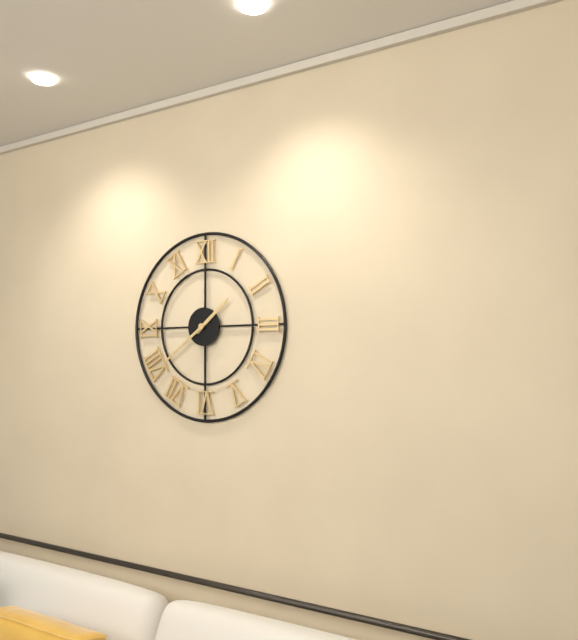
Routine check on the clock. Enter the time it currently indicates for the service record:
1:39
